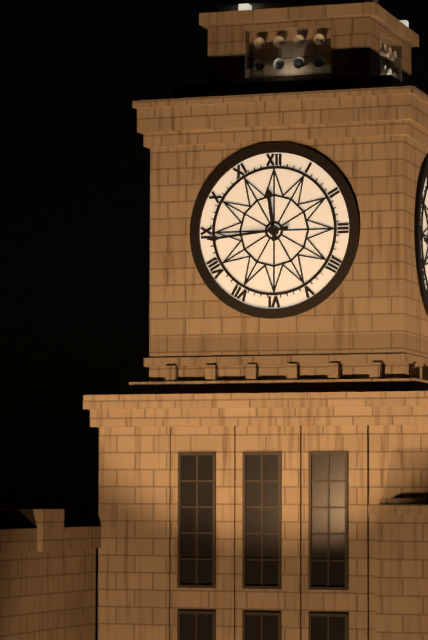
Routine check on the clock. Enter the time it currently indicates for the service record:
11:44
